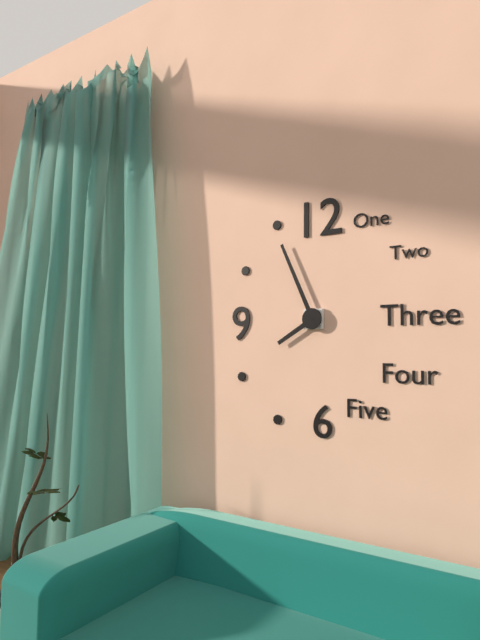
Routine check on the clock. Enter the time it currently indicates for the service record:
7:56
